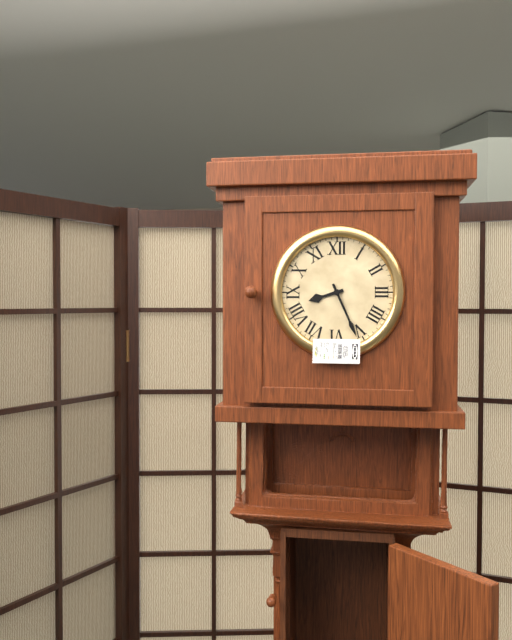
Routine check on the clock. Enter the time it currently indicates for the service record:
8:26
